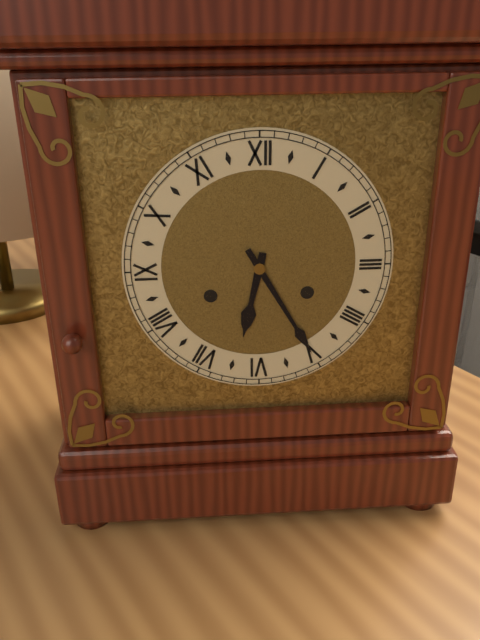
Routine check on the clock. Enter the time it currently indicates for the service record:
6:25
